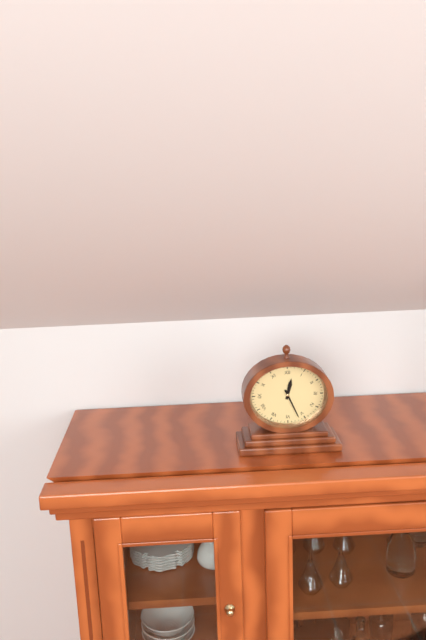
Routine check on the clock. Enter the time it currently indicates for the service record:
12:26
